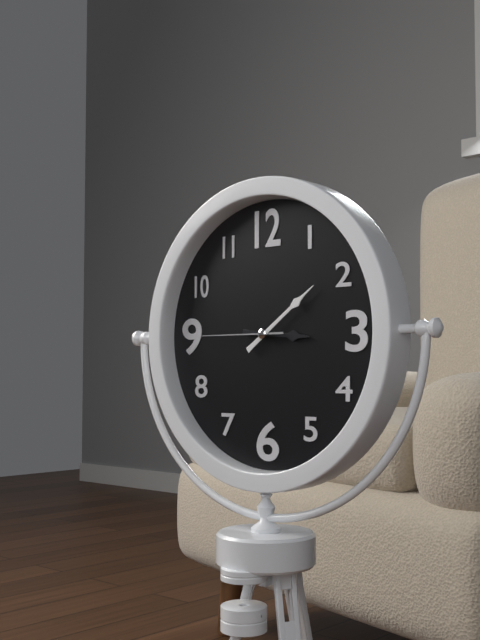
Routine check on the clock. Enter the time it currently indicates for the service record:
3:09:45
